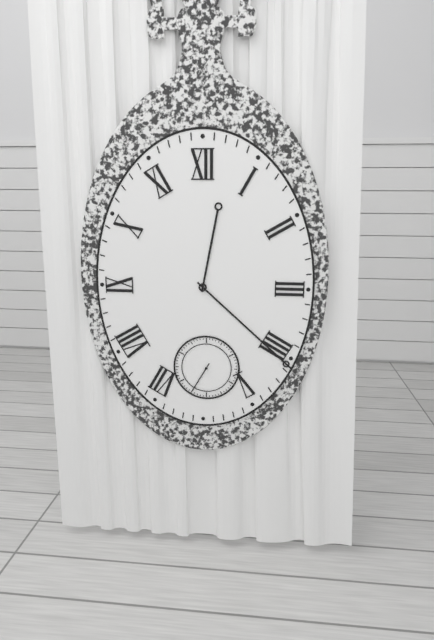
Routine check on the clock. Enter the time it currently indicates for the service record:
12:22
